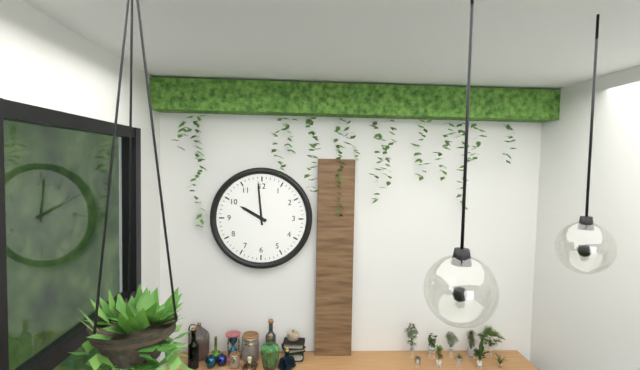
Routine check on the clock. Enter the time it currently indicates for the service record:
9:59
